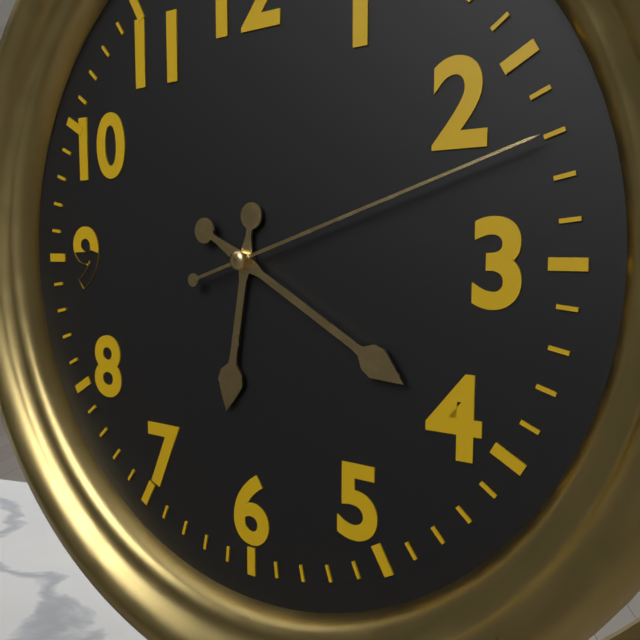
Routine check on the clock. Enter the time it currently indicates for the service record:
6:20:12
